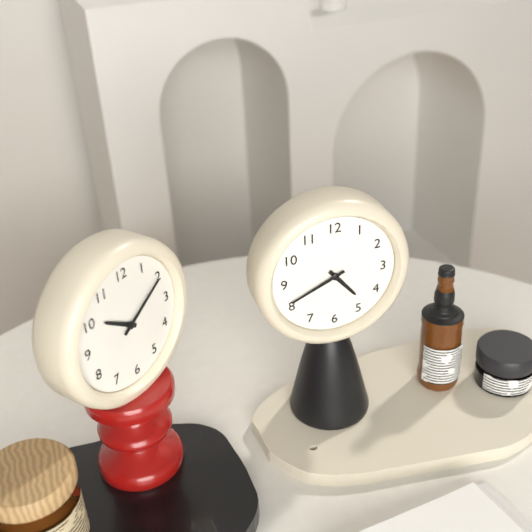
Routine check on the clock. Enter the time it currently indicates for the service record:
4:41
